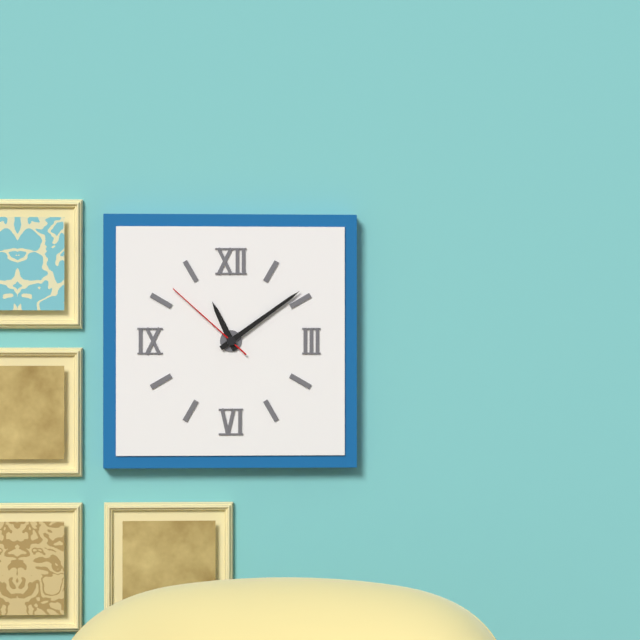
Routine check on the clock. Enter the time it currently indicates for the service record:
11:09:52
